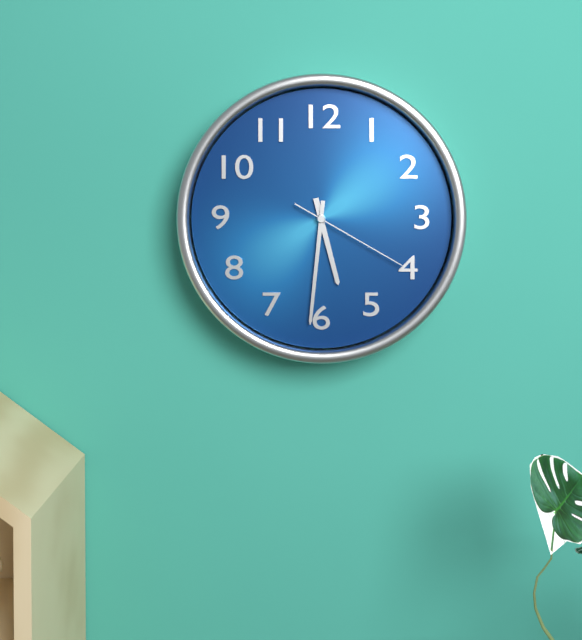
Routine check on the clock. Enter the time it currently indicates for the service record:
5:31:20
